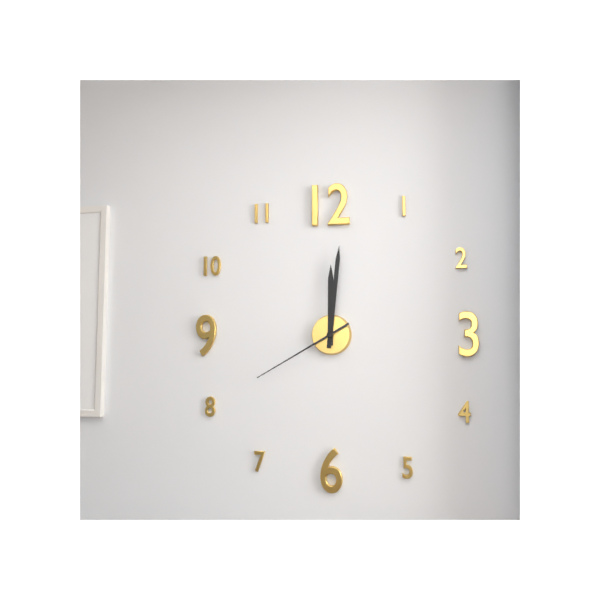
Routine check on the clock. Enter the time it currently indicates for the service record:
12:01:40
